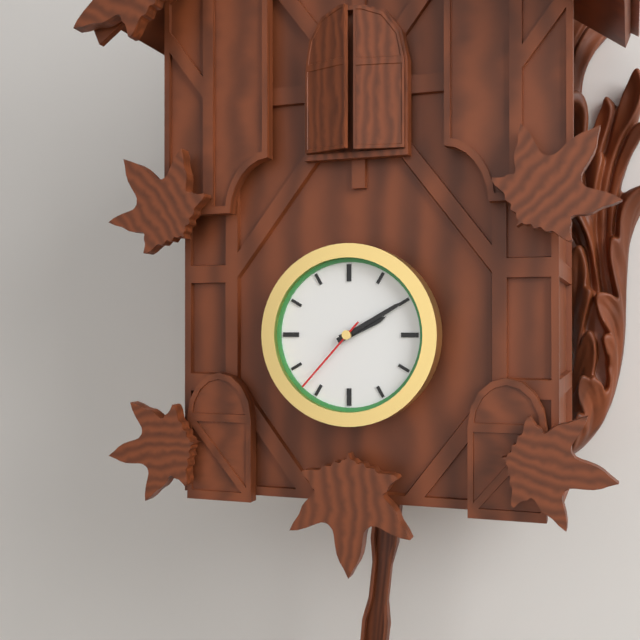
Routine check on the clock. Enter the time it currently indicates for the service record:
2:10:37
